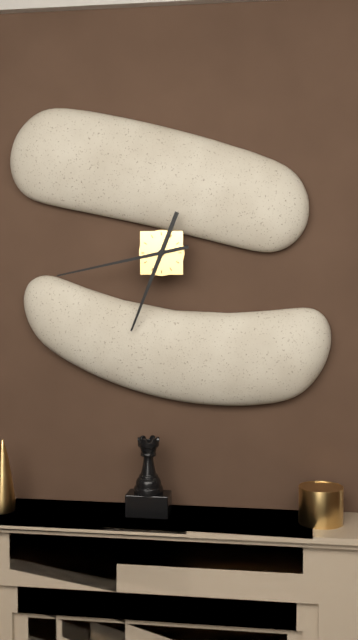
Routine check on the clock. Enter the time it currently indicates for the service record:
6:43
